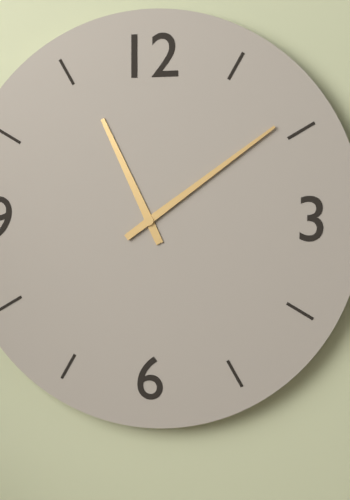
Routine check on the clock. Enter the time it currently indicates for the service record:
11:09
